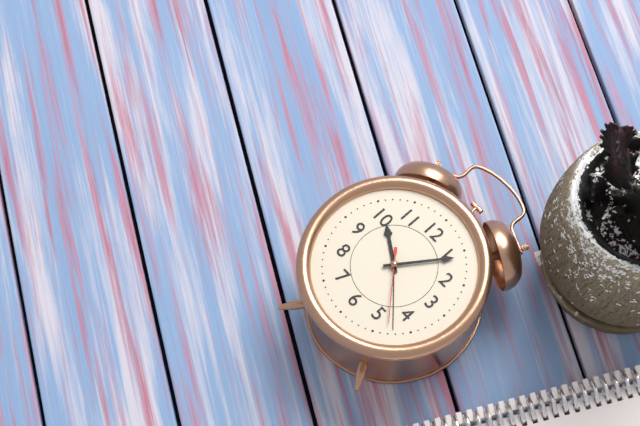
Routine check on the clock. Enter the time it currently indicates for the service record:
10:06:23
